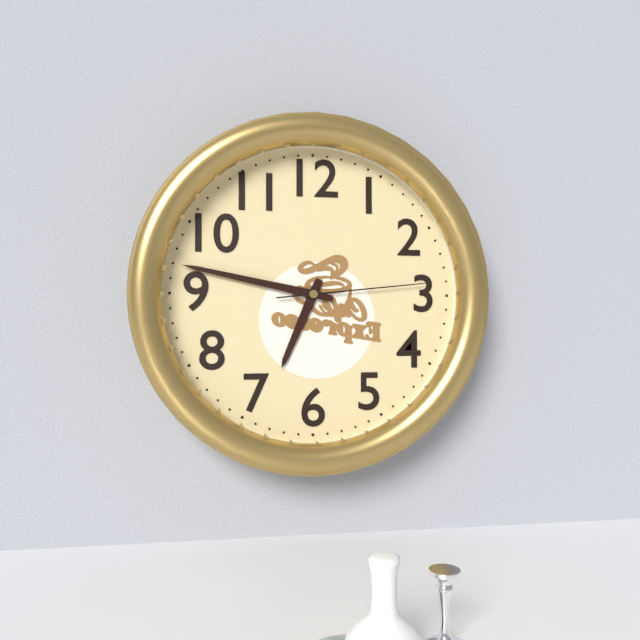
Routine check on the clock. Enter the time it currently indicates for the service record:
6:47:14
